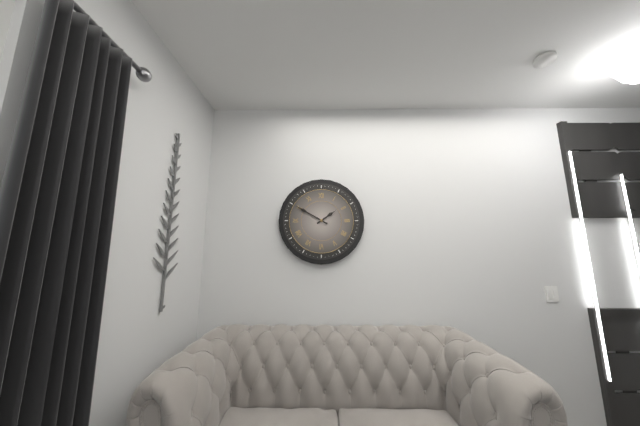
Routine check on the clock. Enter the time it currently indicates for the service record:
1:50
